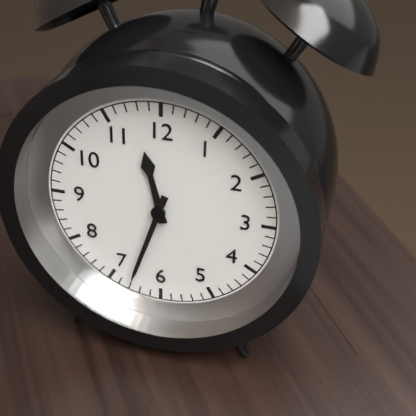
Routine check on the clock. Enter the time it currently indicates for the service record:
11:33
